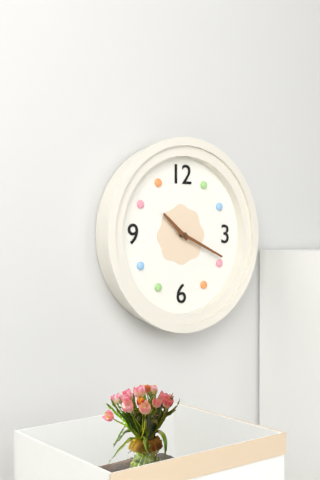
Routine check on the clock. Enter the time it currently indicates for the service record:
10:19
